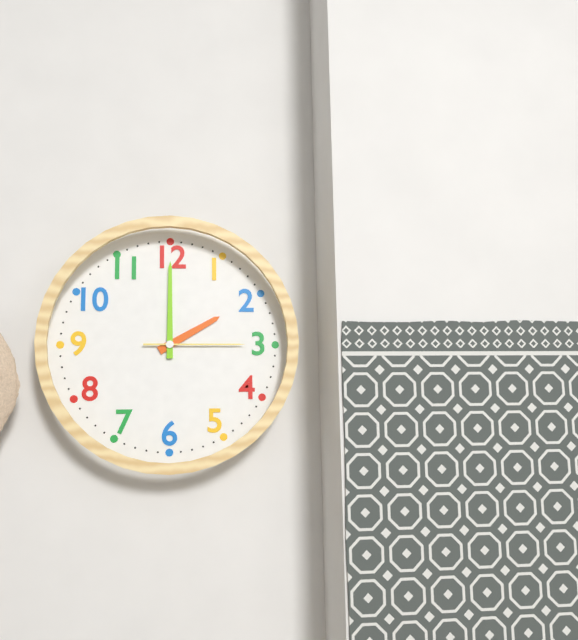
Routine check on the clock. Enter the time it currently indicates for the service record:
2:00:15
